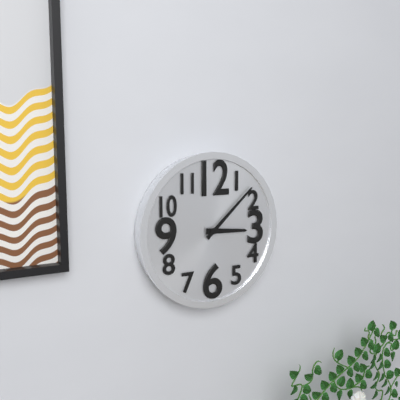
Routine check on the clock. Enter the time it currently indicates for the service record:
3:08
